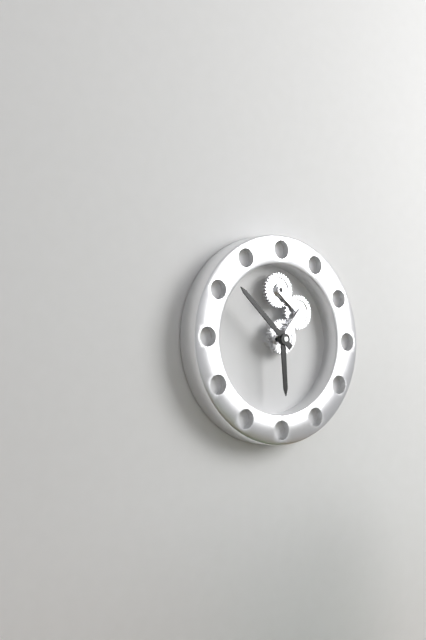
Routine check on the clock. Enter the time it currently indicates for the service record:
5:52
